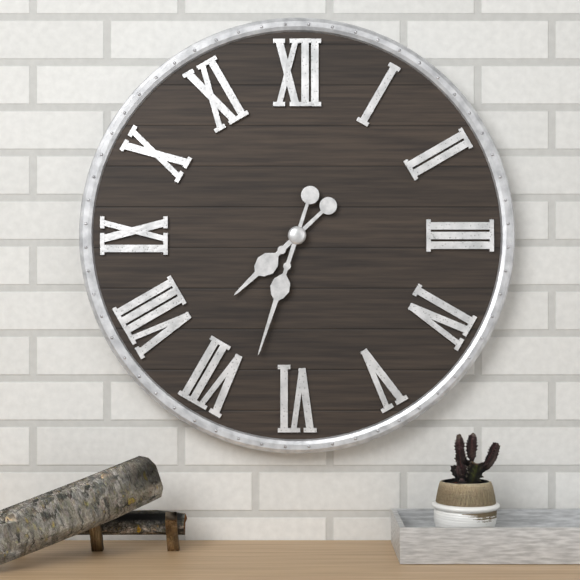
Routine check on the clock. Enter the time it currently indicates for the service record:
7:33
